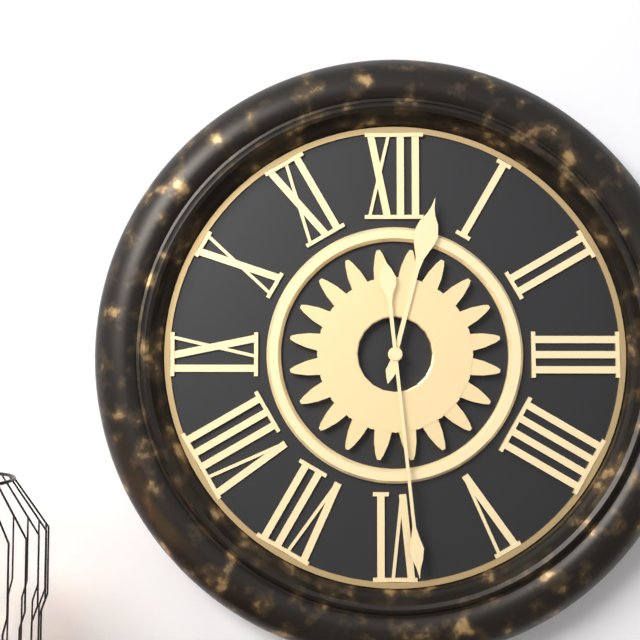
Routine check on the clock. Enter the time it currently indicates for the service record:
12:29
